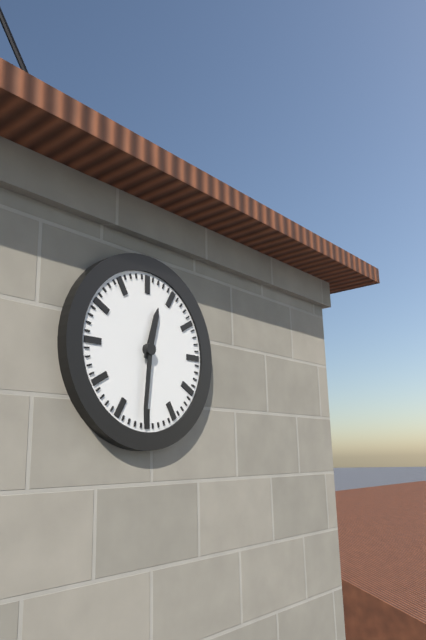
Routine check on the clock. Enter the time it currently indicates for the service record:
12:31
